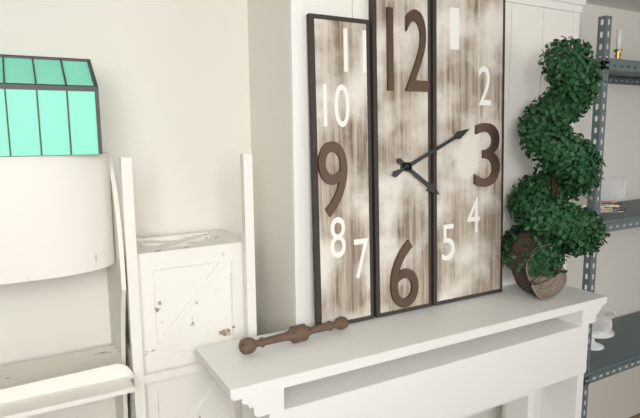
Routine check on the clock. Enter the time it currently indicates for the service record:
4:11
